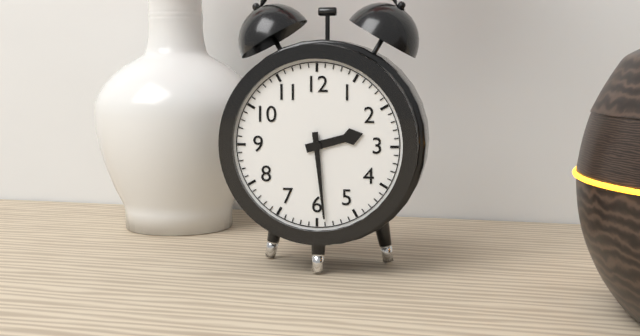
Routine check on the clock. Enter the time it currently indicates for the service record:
2:29
